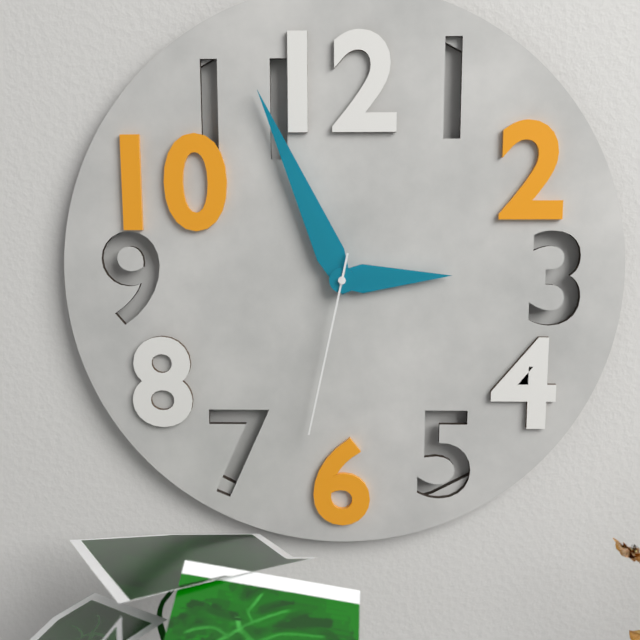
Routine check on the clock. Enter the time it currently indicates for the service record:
2:56:32
